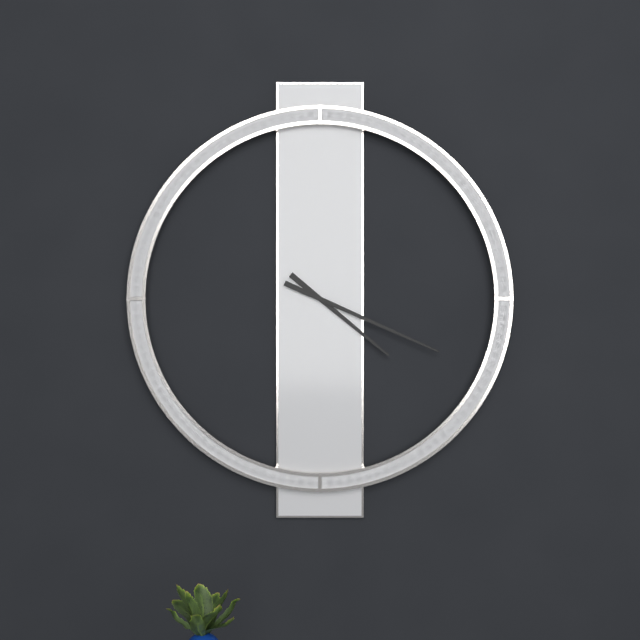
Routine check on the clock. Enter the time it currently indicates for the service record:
4:19
